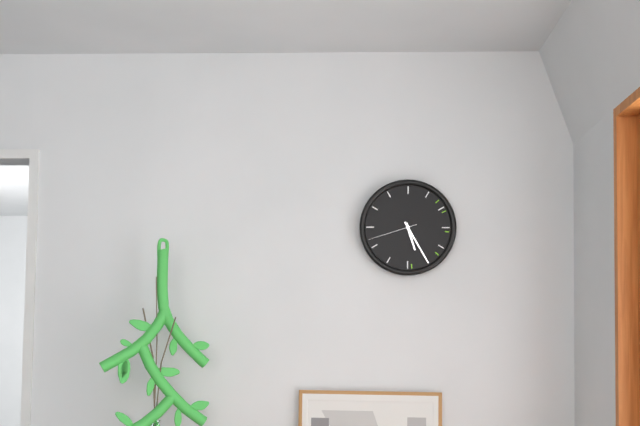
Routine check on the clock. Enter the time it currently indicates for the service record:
5:25
